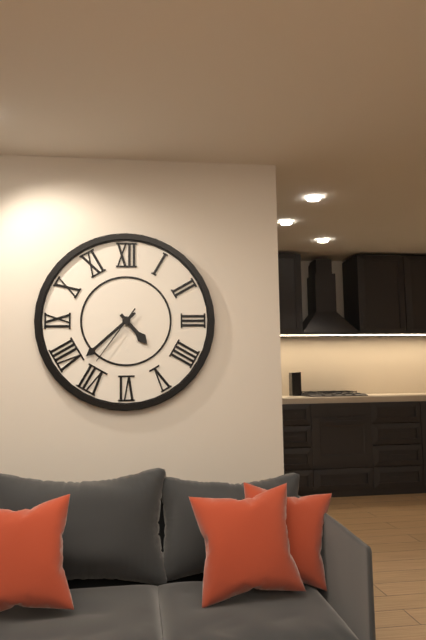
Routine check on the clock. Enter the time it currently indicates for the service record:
4:38:36
